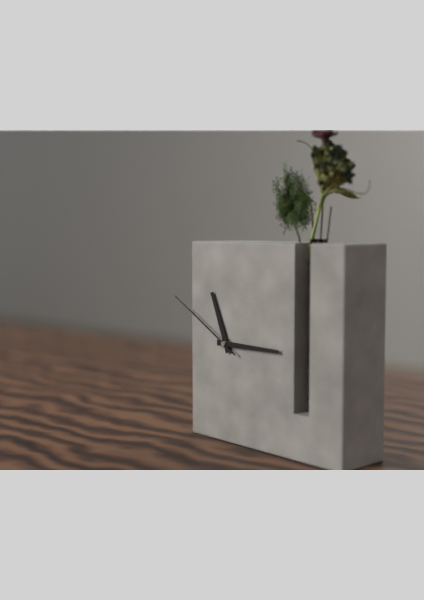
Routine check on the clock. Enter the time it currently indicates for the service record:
11:15:50
